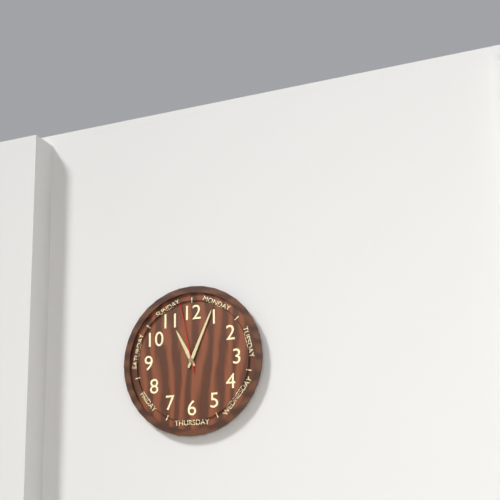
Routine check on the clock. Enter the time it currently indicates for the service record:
11:04:58
